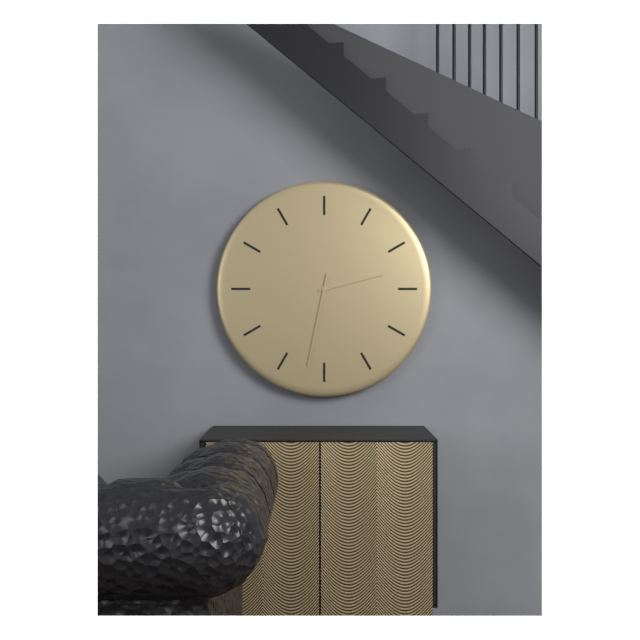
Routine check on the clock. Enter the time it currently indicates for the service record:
2:32
